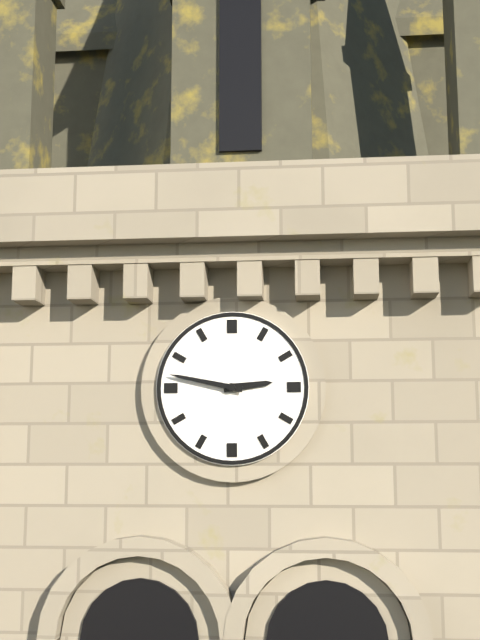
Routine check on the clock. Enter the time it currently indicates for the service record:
2:47
